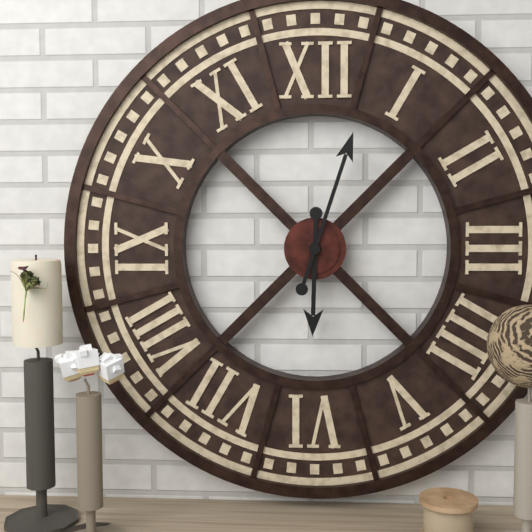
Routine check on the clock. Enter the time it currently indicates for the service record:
6:03
